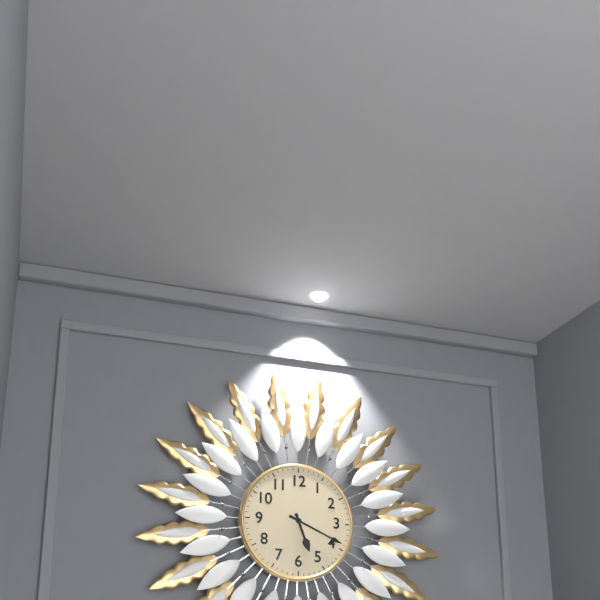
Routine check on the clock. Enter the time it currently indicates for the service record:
5:19
